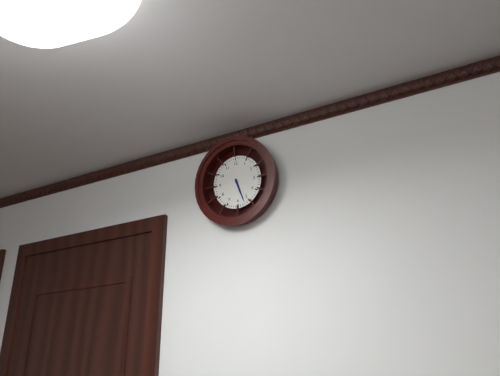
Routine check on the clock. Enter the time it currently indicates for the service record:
5:27
